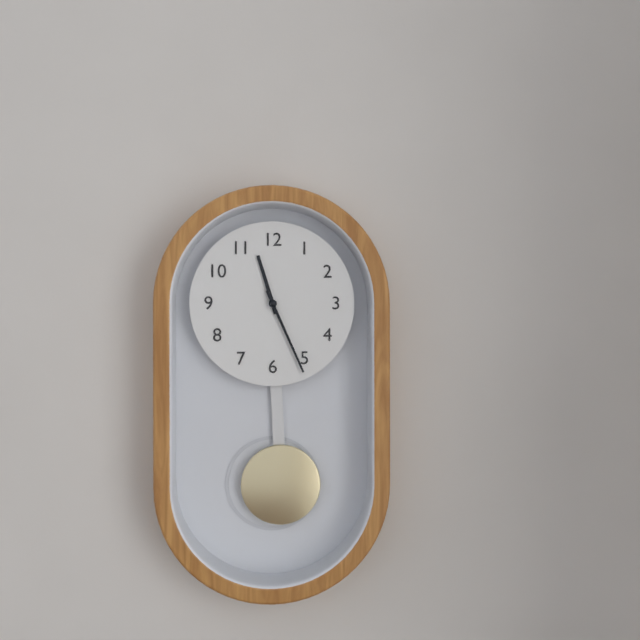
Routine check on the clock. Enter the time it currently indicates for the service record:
11:26
